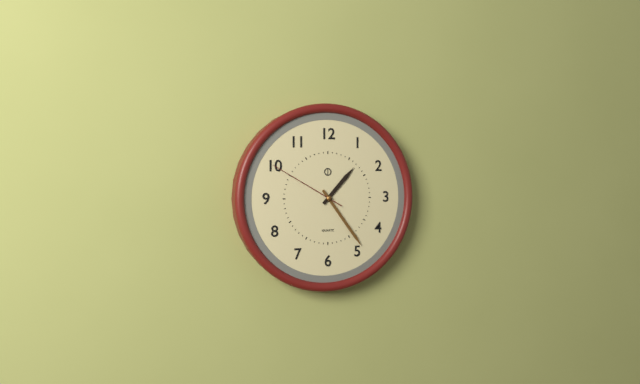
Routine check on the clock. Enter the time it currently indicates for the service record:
1:24:50
